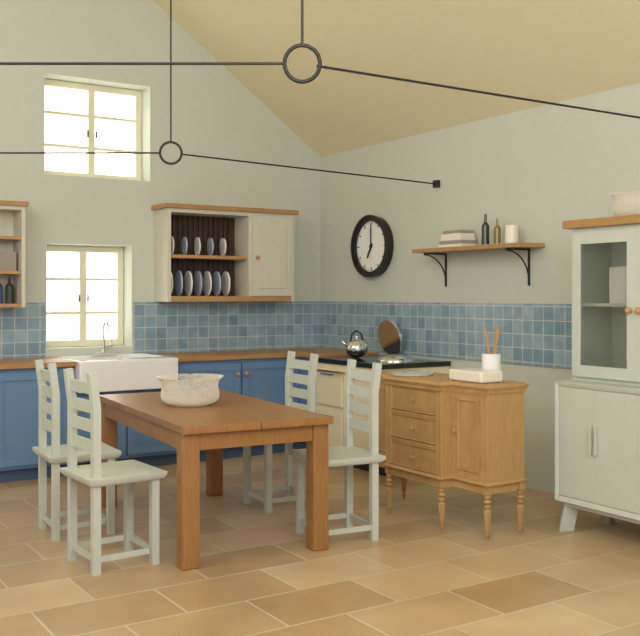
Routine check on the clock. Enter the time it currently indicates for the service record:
7:00
